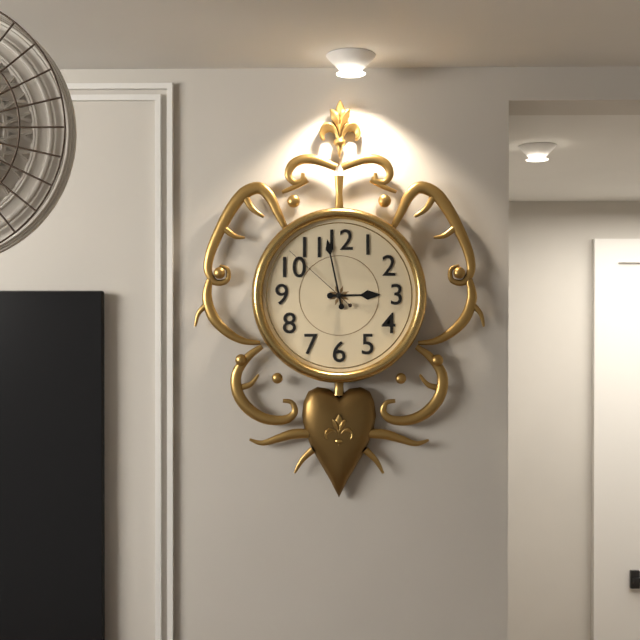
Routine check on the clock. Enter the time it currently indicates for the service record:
2:58:52
